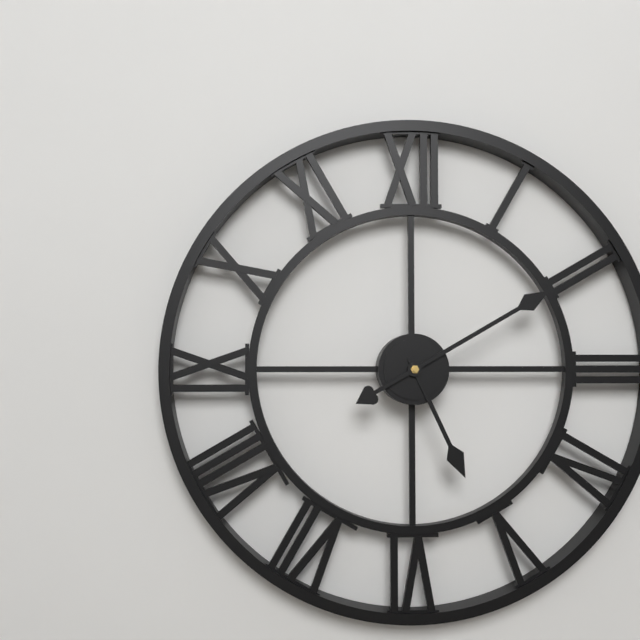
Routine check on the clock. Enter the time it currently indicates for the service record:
5:10
